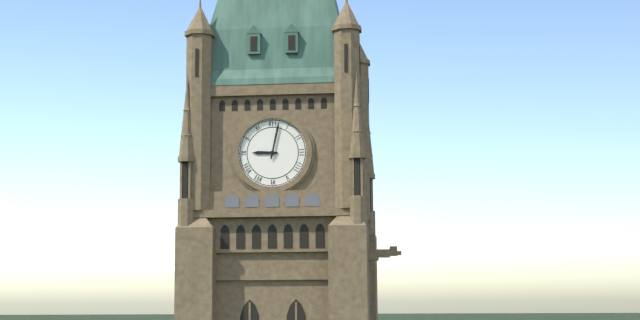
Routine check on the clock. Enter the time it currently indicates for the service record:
9:02
